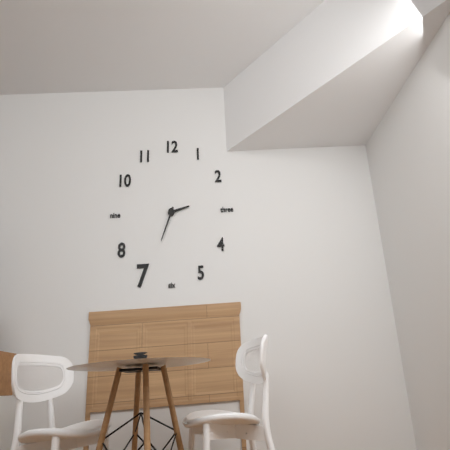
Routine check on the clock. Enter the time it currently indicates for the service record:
2:34
